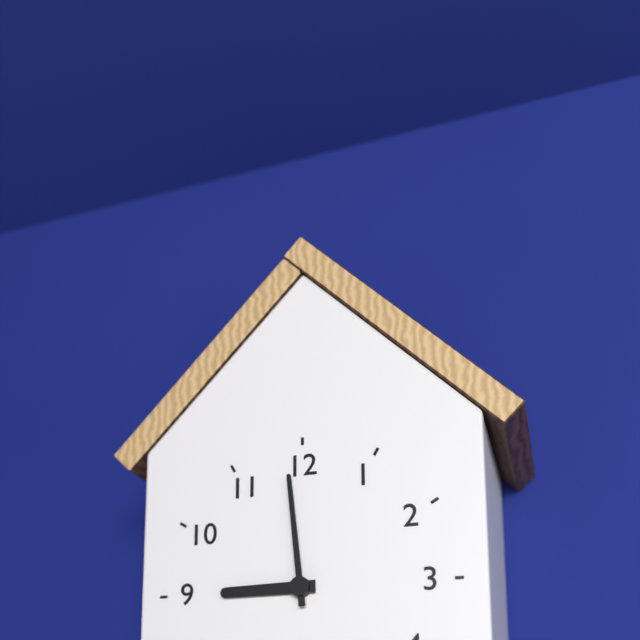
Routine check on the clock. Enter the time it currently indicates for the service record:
8:59
